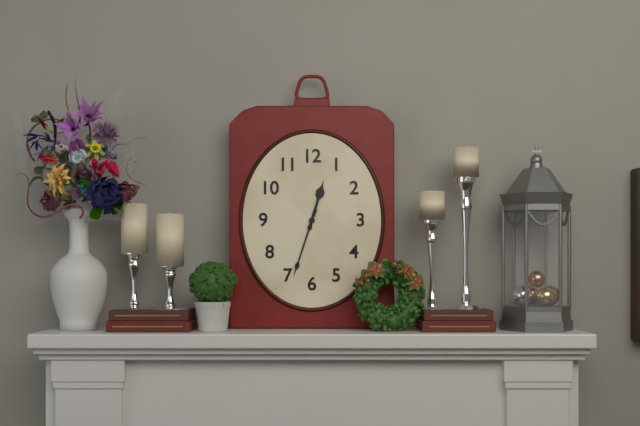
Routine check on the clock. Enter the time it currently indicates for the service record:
12:33
